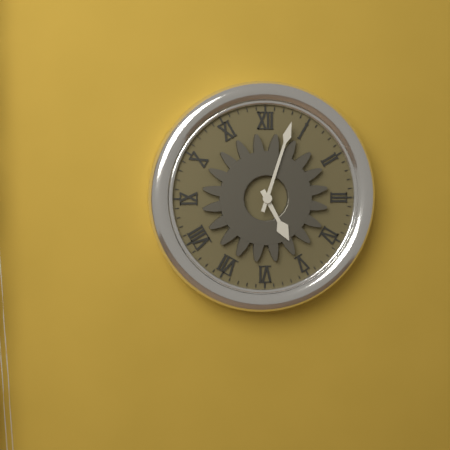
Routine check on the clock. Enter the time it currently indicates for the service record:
5:03
